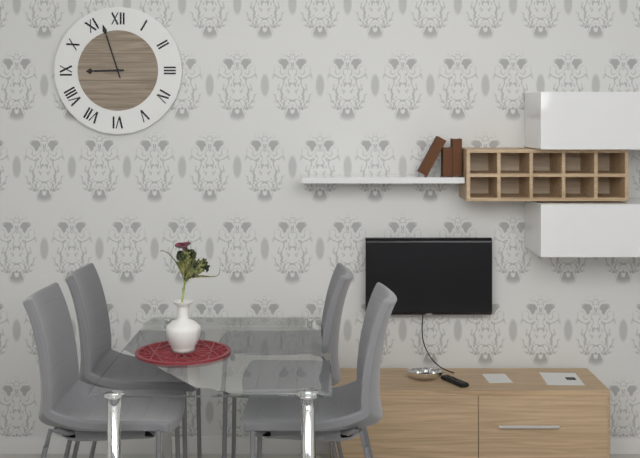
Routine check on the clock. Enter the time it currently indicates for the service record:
8:57
